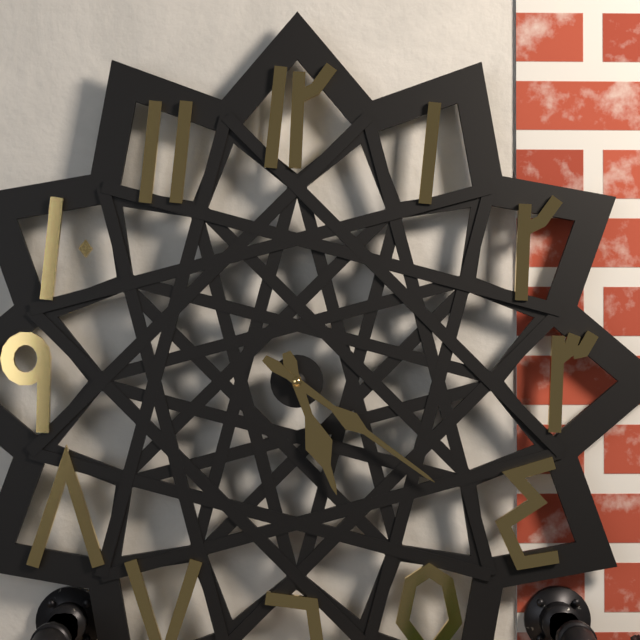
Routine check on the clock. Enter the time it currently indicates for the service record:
5:21
